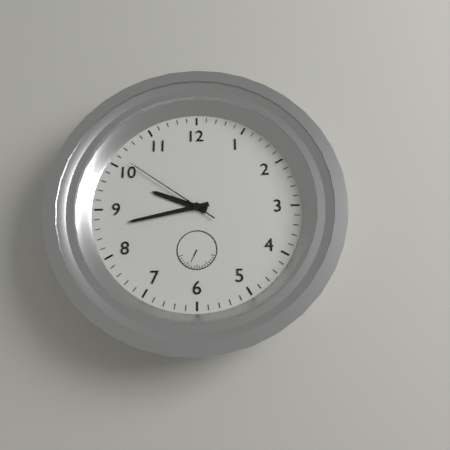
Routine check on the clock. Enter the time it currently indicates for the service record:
9:43:51
